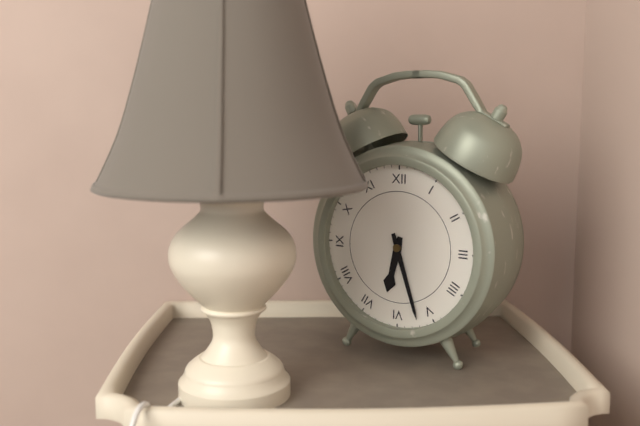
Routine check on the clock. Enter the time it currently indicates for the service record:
6:27
